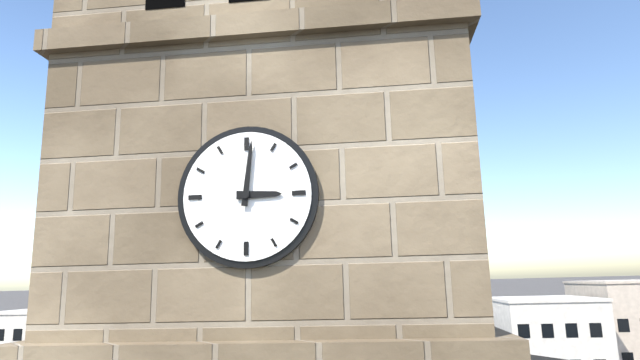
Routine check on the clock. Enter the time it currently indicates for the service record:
3:01
